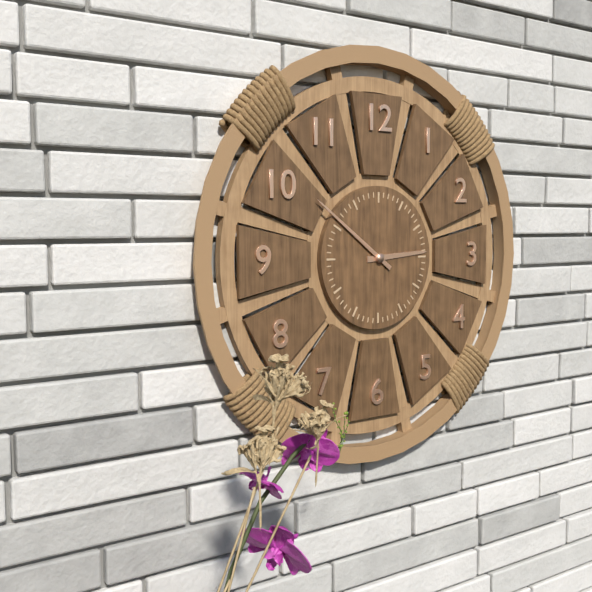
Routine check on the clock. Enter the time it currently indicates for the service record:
2:51
